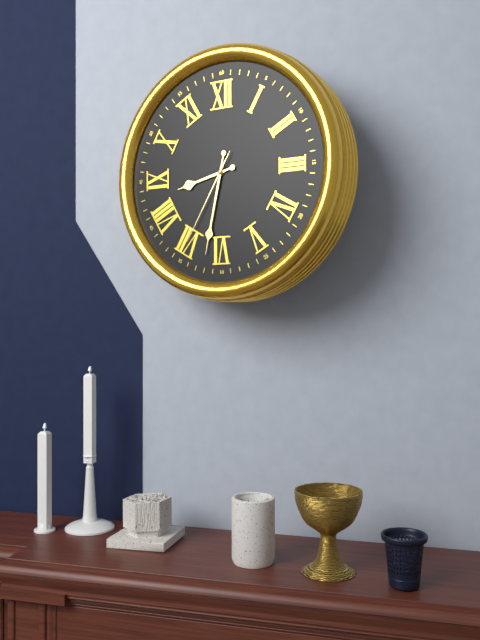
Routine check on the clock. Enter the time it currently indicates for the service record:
8:32:35
